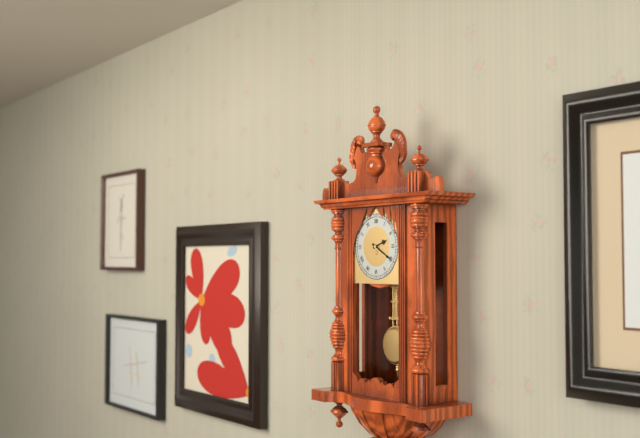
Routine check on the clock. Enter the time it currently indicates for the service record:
2:20
